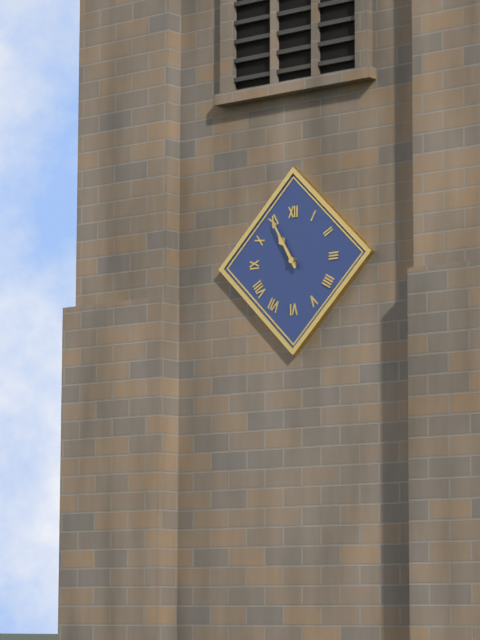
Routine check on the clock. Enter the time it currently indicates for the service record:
10:55
